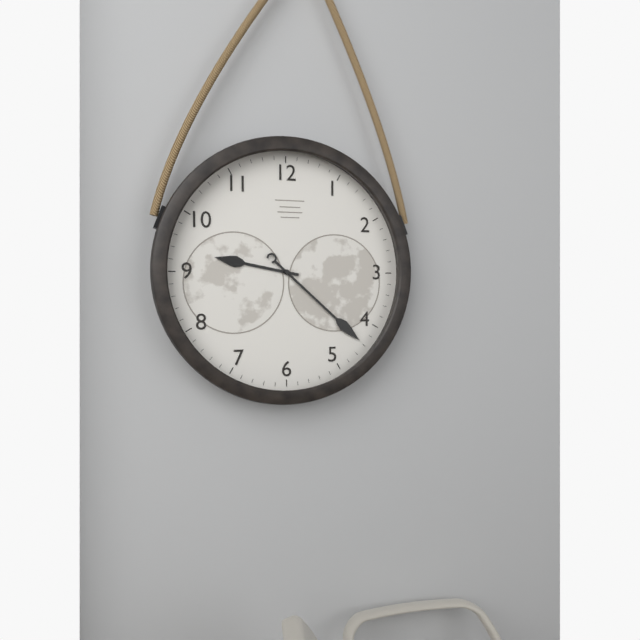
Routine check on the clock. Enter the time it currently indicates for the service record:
9:22
